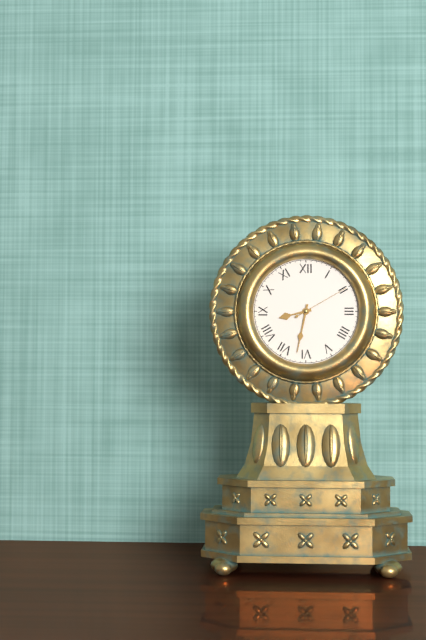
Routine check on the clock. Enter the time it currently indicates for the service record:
8:32:10
